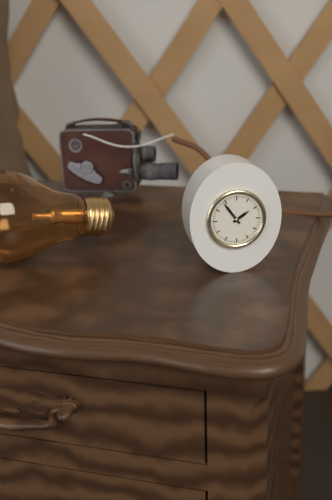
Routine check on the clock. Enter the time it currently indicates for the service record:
1:54
